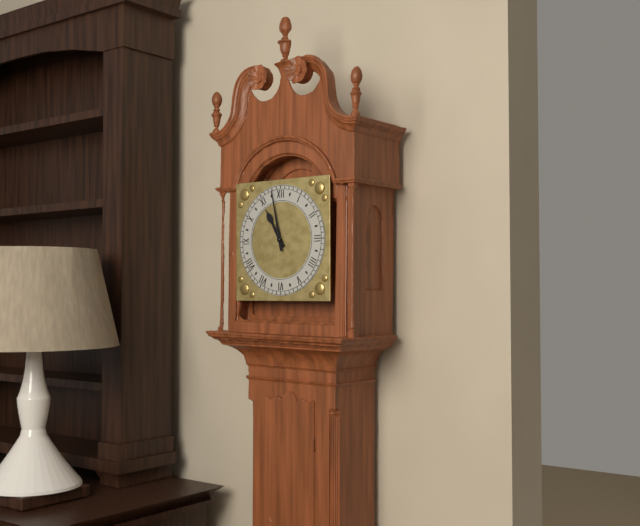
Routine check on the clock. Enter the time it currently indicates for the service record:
10:58
